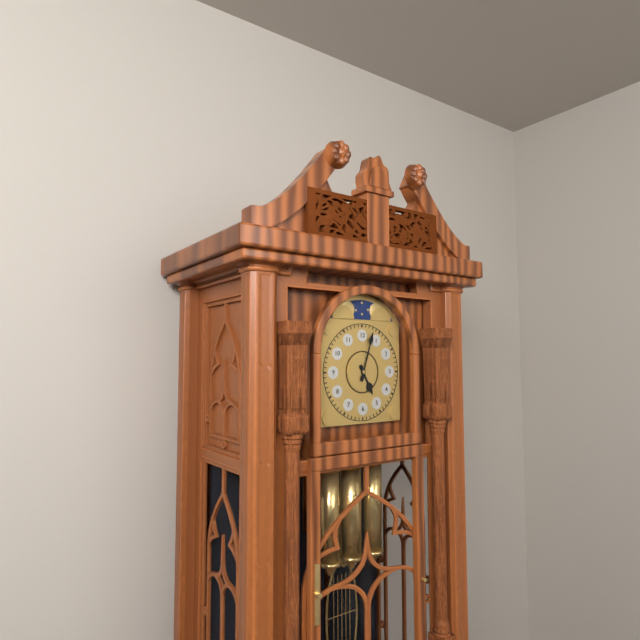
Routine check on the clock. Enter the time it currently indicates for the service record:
5:03
